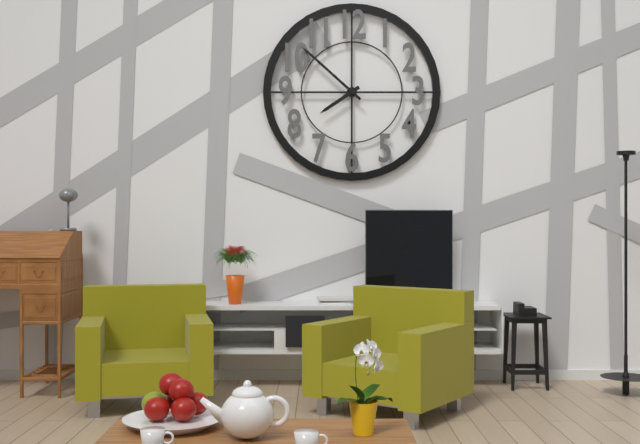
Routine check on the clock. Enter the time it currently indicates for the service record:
7:52
